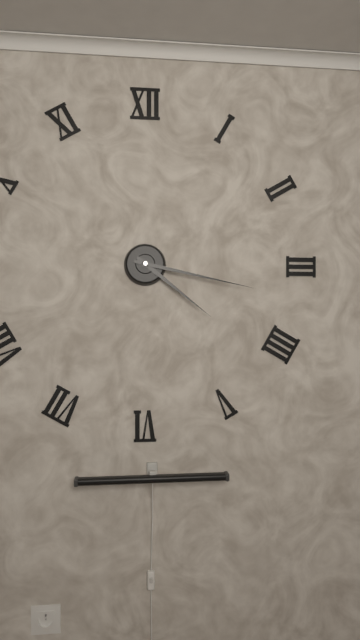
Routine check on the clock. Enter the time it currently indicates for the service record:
4:17
